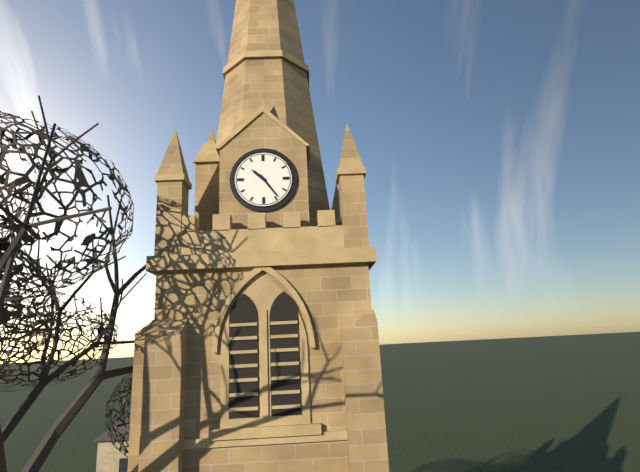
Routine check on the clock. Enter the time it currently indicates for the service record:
10:24
